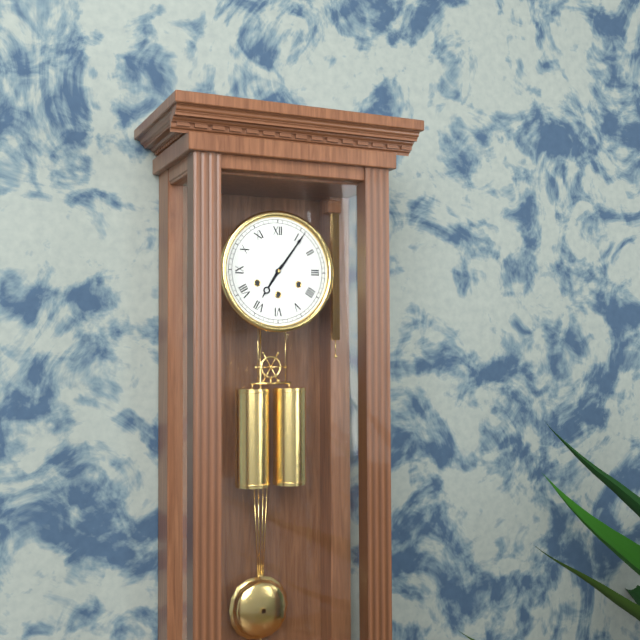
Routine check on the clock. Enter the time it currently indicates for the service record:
7:06
